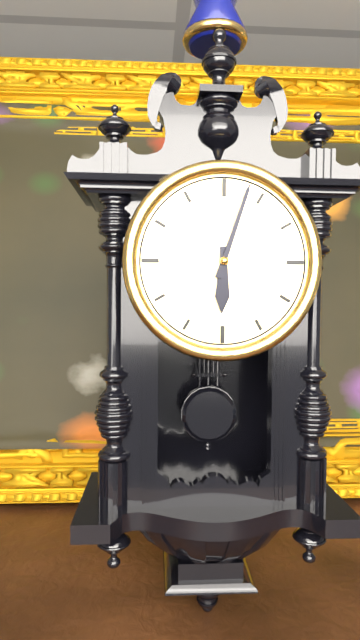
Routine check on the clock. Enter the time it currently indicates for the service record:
6:03
